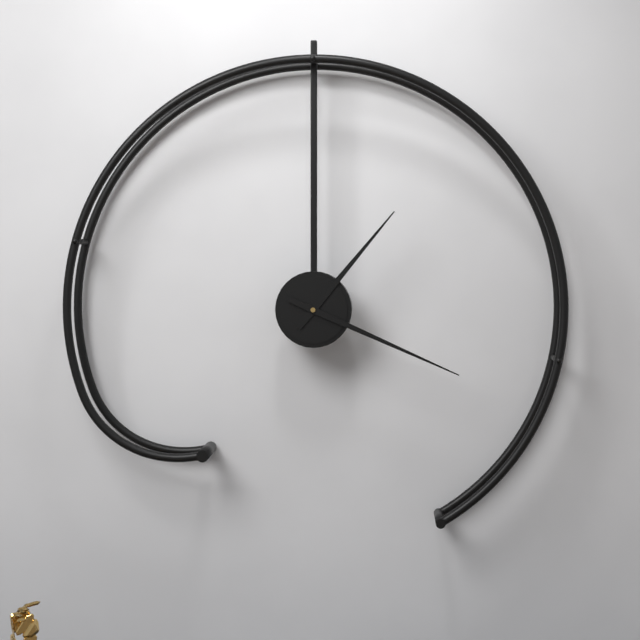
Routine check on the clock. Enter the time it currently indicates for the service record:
1:19
